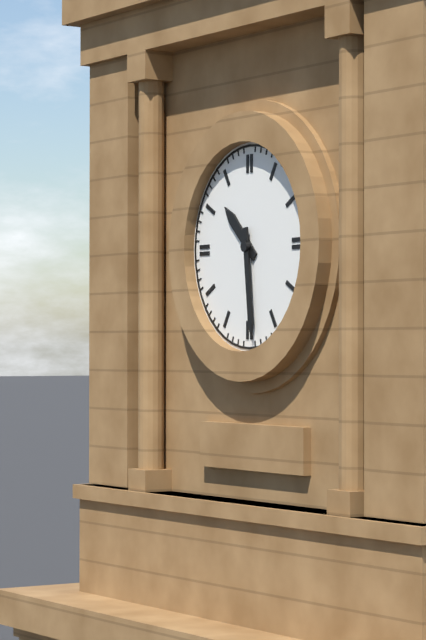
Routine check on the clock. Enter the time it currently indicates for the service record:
10:29
